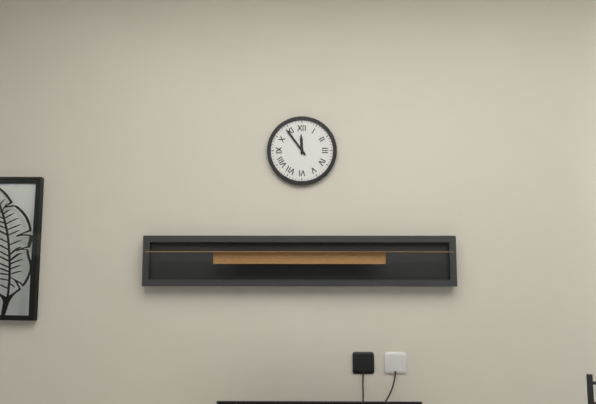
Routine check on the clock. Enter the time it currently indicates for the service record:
11:54
